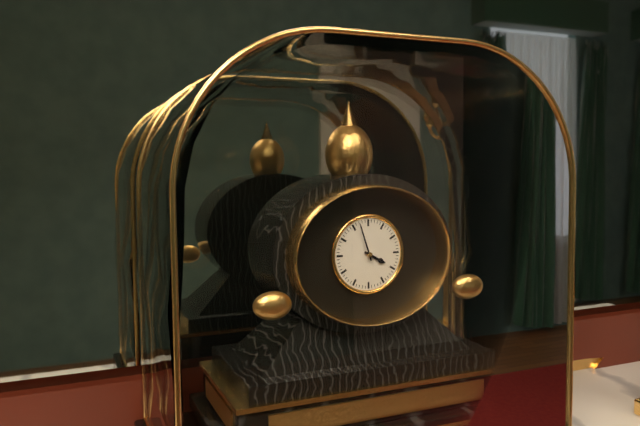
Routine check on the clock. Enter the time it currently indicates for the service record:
3:57
